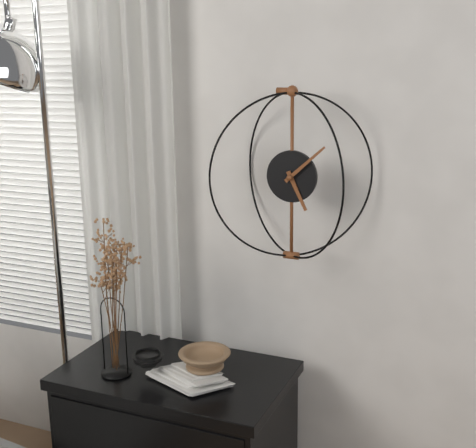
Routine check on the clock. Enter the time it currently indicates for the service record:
5:08
